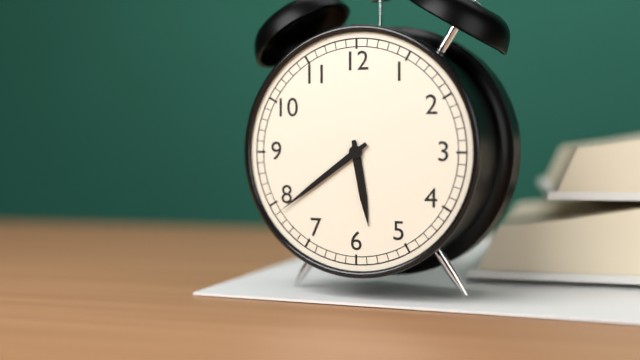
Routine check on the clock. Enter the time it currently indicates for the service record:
5:39
